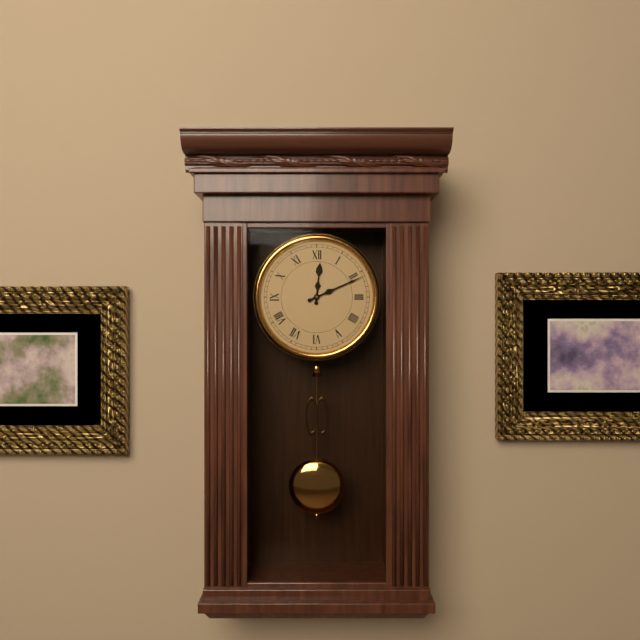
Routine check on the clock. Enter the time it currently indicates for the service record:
12:11
